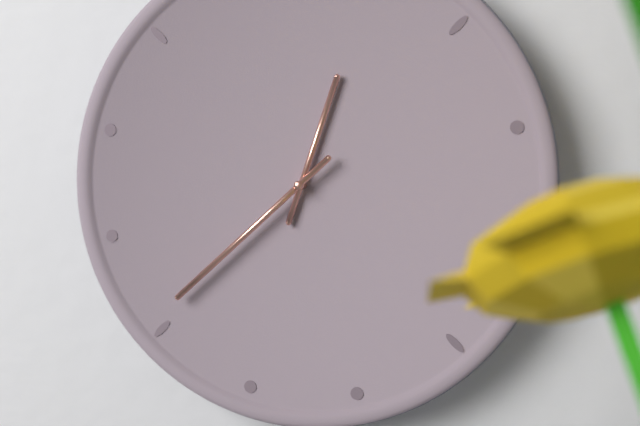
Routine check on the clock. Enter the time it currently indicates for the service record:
12:38
